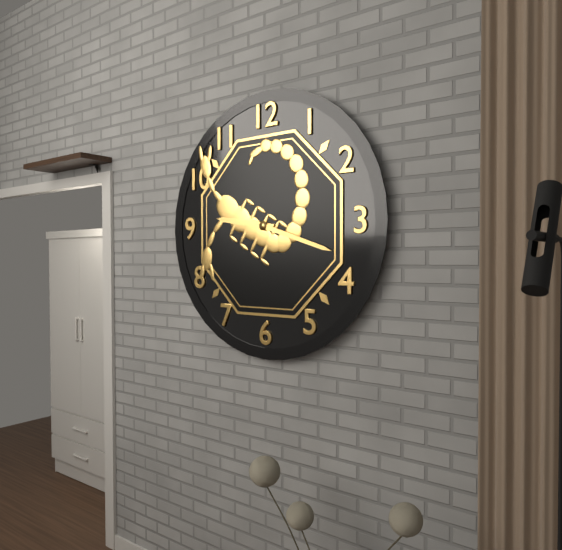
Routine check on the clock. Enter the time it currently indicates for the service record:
9:18
